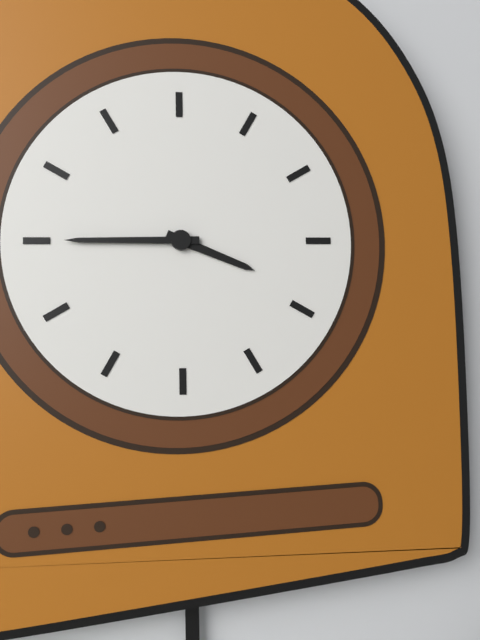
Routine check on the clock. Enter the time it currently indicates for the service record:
3:45
